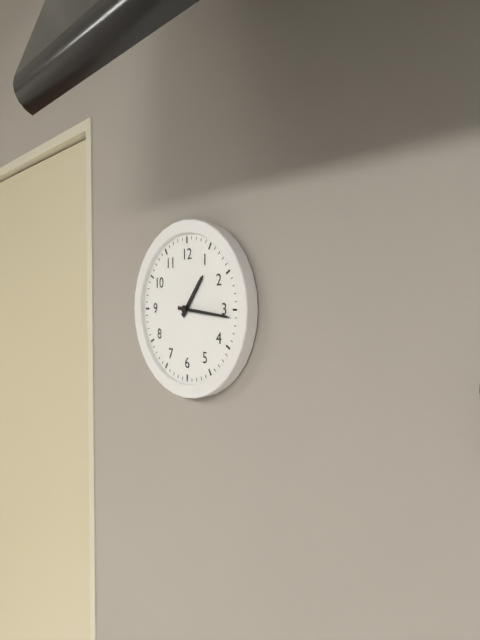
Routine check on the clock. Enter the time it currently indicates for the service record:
1:16
